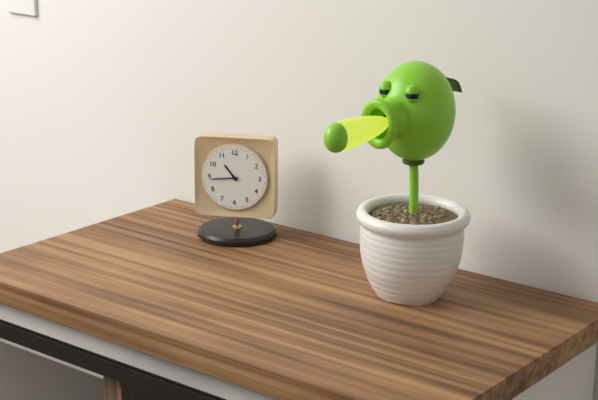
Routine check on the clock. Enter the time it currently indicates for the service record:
10:44
